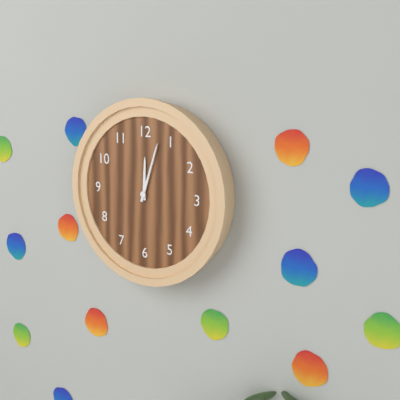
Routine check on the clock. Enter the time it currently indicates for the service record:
12:03
